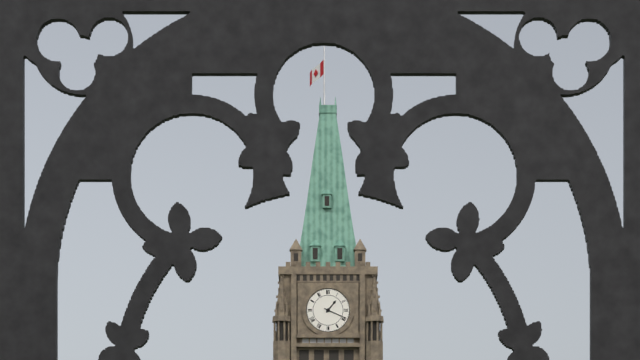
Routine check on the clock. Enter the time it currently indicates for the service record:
1:19
